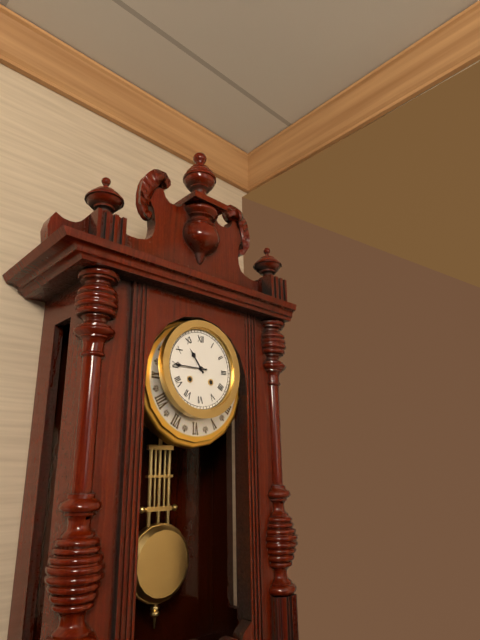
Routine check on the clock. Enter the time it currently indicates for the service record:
10:45
